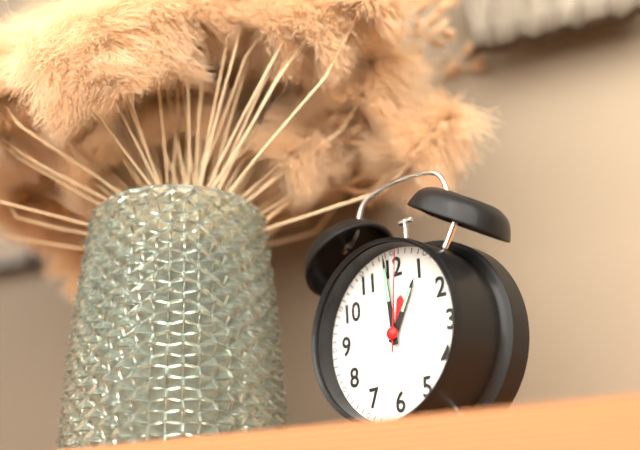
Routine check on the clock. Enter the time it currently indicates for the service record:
12:59:01
